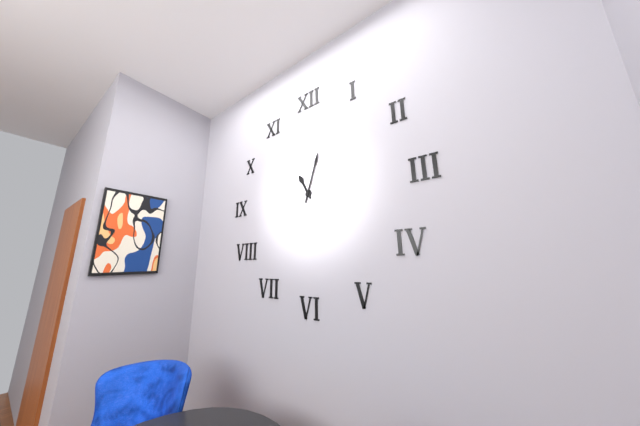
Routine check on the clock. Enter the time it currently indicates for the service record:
11:03
